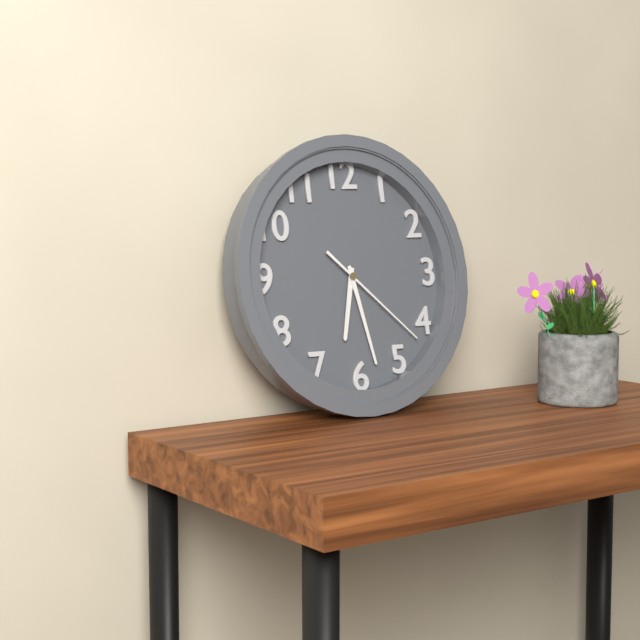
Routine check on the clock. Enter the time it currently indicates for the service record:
6:28:22
